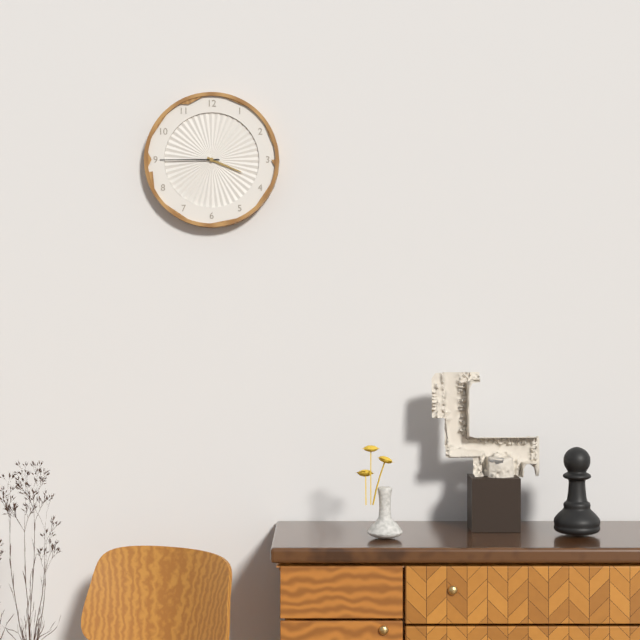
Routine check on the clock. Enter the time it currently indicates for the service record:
3:45
